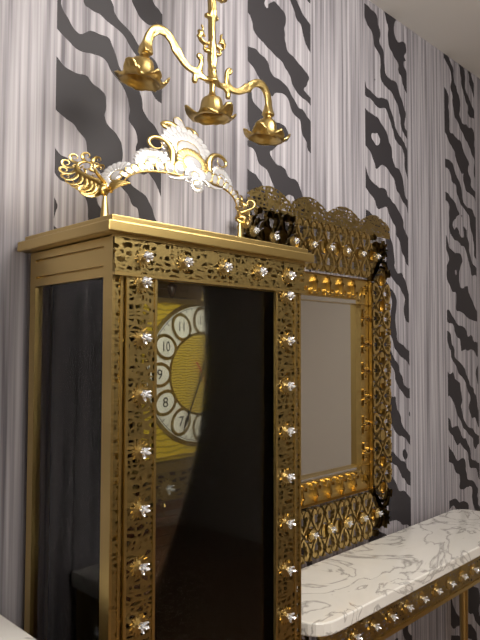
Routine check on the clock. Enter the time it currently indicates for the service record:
12:34:24
